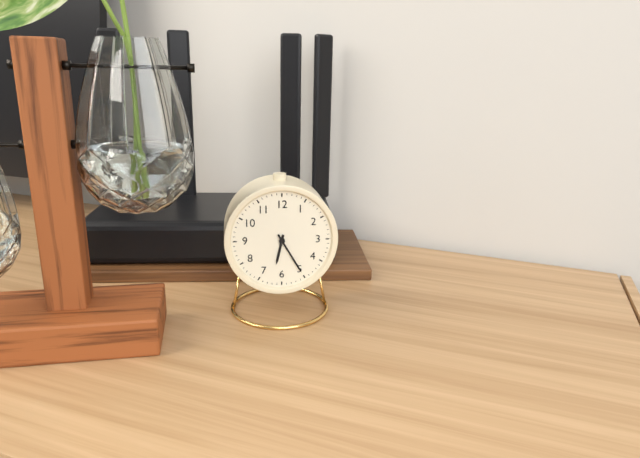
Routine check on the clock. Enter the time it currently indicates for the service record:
6:25
